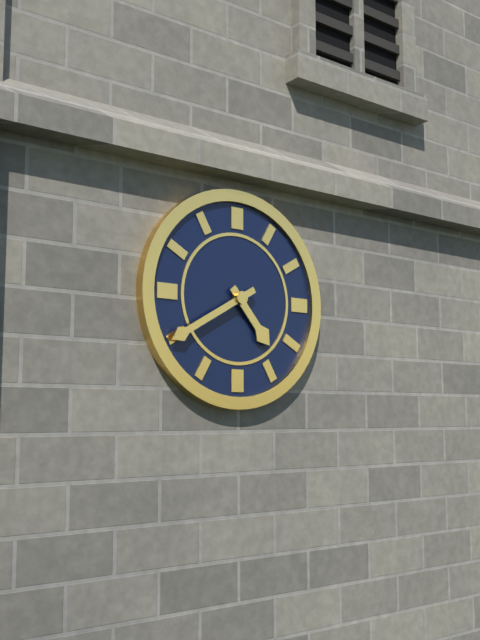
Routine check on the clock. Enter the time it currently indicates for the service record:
4:40
